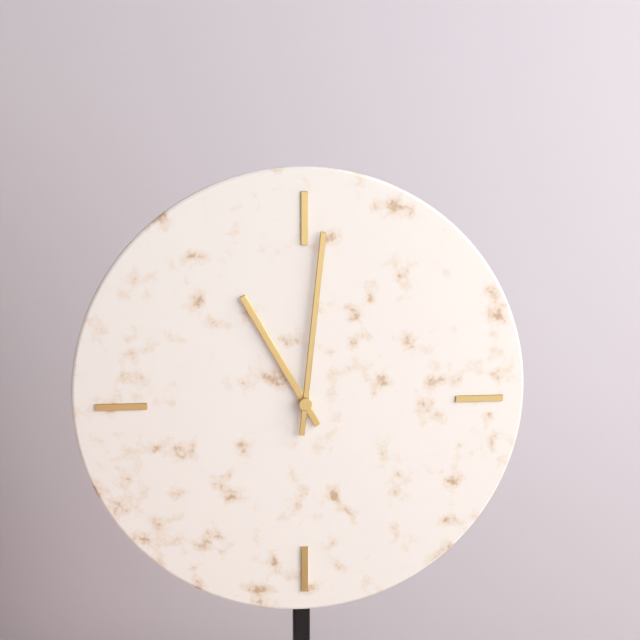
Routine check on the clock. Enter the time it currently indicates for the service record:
11:01
